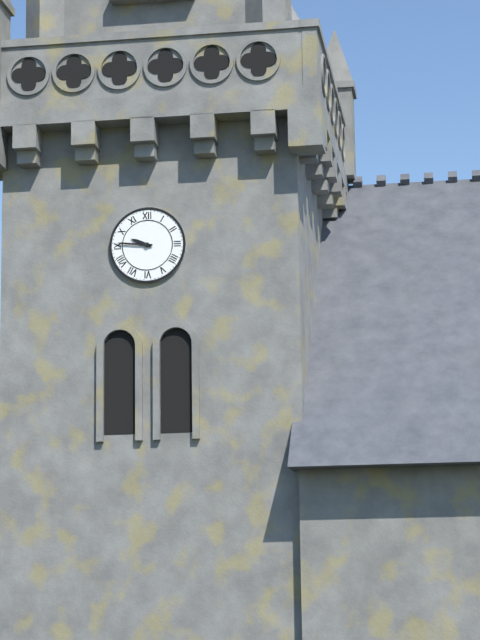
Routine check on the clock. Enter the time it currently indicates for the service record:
9:46
